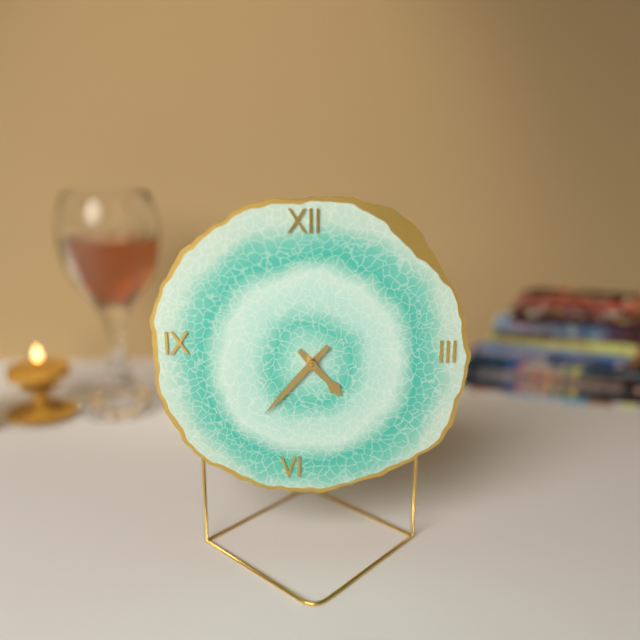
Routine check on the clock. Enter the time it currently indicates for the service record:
4:37
